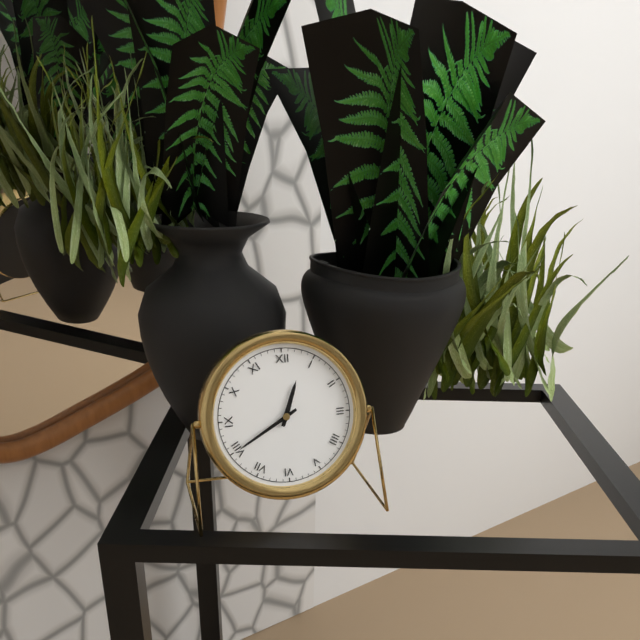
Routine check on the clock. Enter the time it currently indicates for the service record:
12:40
